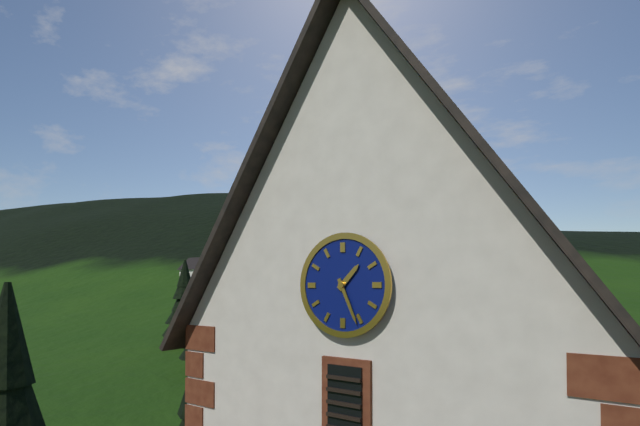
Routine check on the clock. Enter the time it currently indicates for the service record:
1:26
